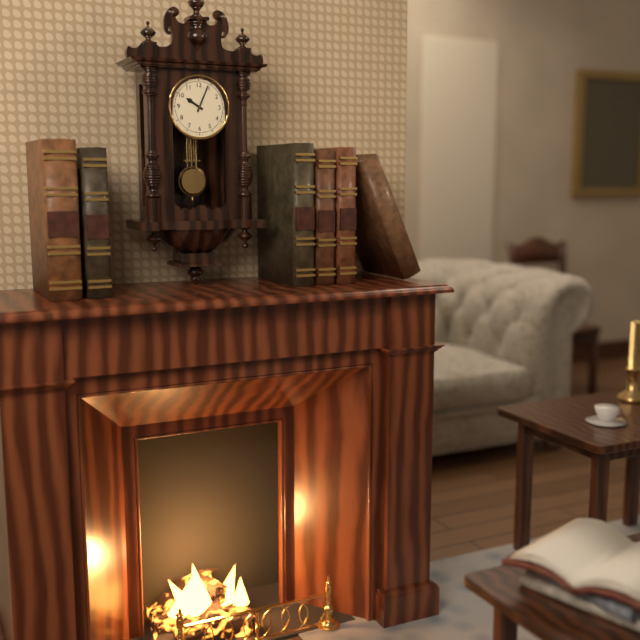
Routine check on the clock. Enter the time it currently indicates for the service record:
10:04
